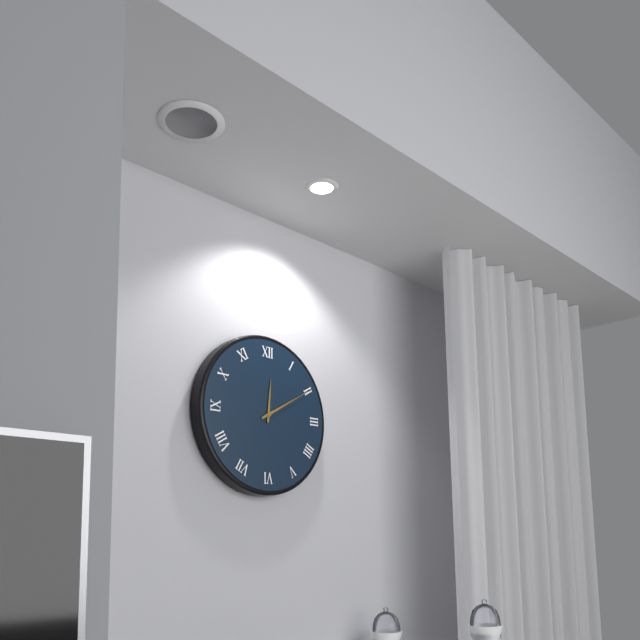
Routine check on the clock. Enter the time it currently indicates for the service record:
12:10
